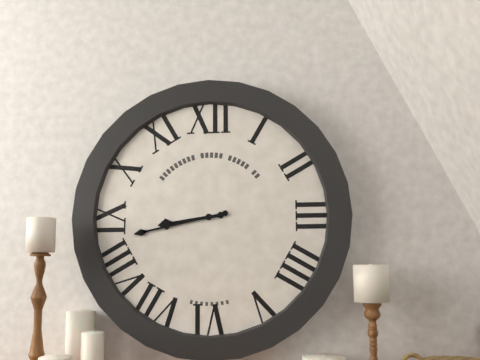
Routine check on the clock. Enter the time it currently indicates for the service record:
8:43
